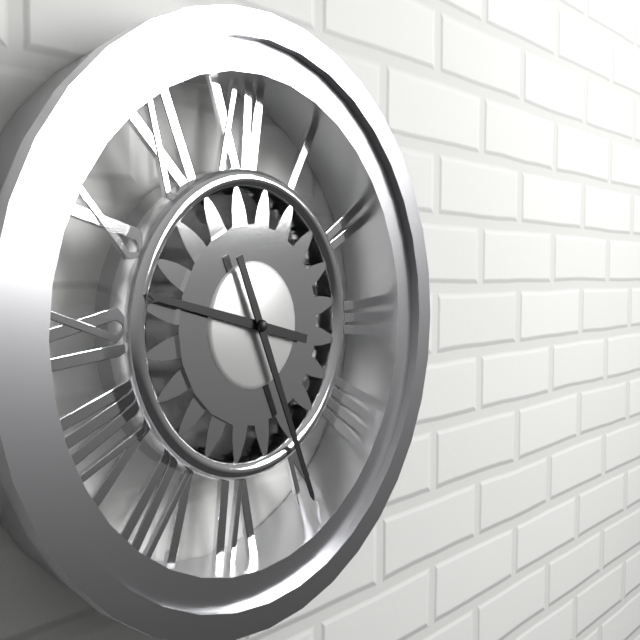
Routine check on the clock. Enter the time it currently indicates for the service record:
9:26
